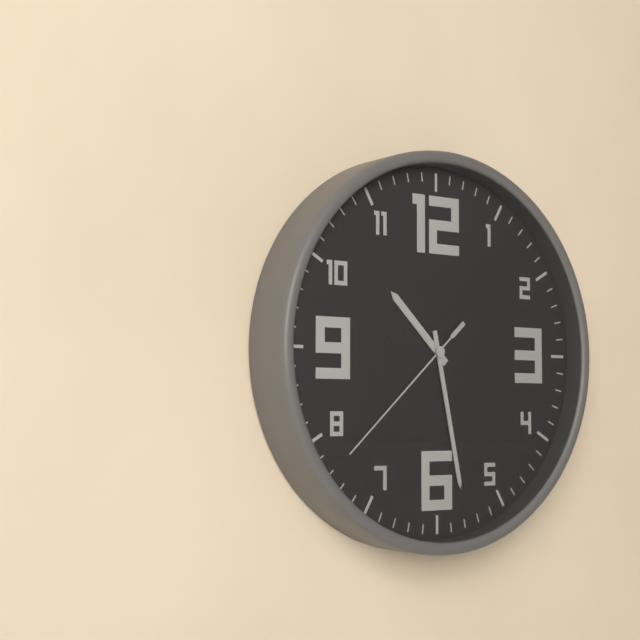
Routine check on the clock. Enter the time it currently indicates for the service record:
10:28:38
